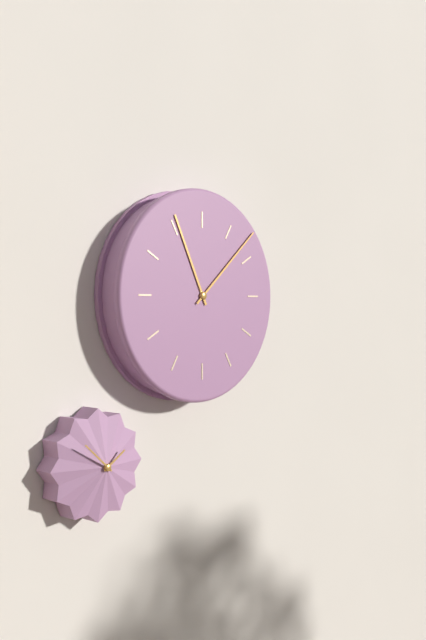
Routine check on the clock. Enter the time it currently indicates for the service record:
11:08
